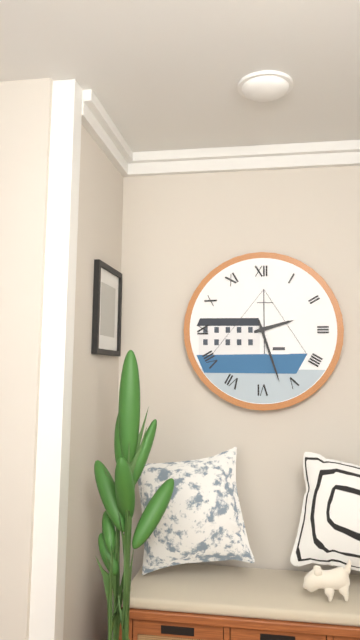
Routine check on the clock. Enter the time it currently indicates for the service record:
2:27
